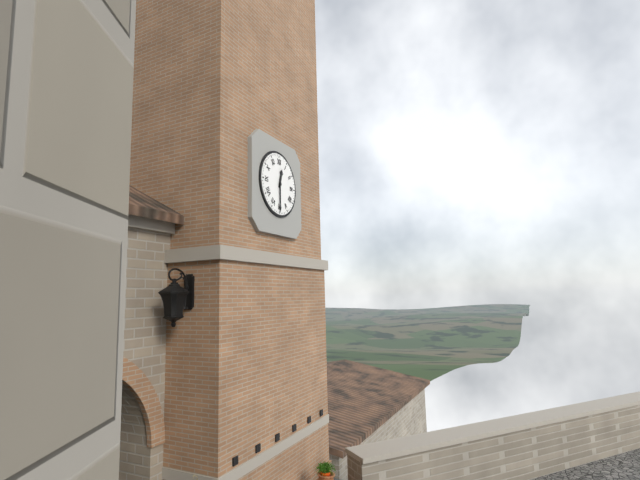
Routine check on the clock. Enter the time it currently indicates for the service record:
12:30
